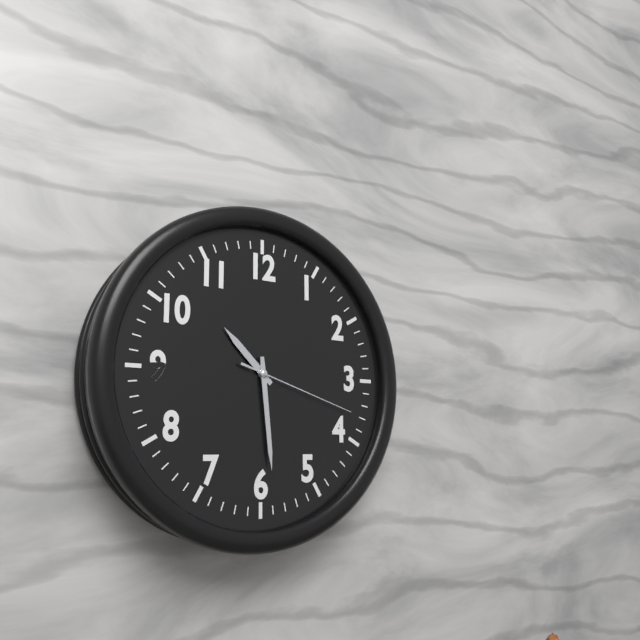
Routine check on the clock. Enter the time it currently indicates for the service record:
10:29:18
